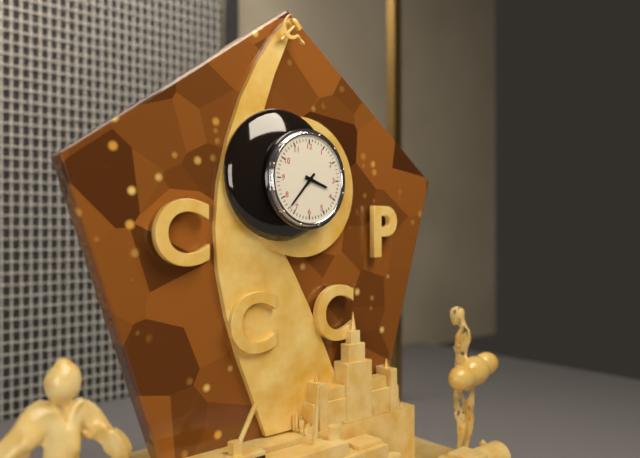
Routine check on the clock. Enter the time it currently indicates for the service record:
3:37
